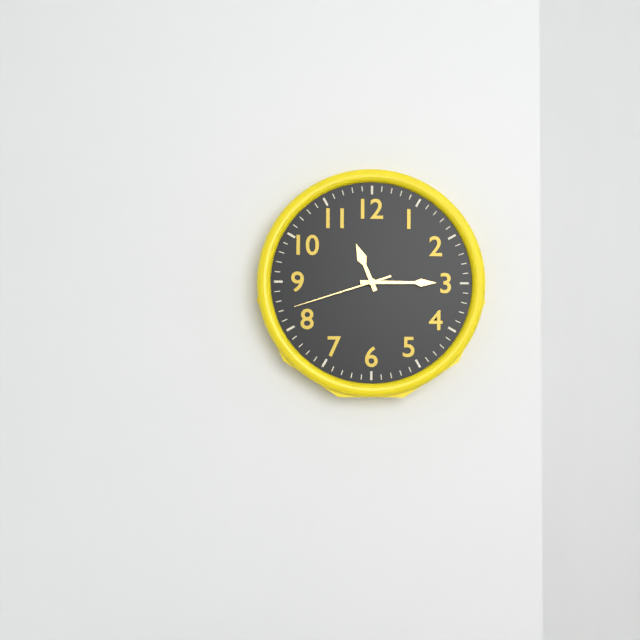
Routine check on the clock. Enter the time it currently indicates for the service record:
11:15:42
